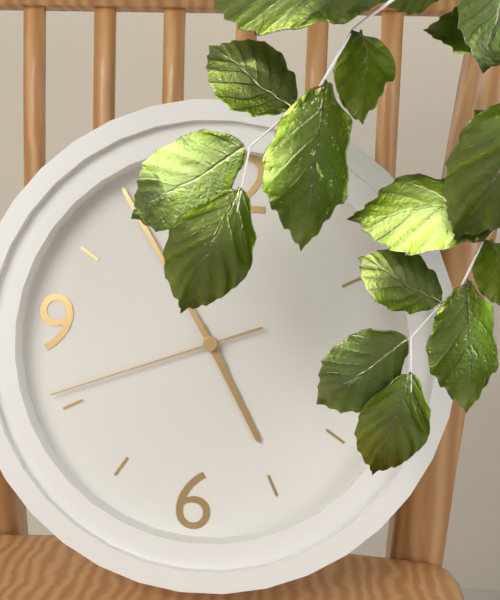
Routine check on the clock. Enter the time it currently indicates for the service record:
4:54:41
